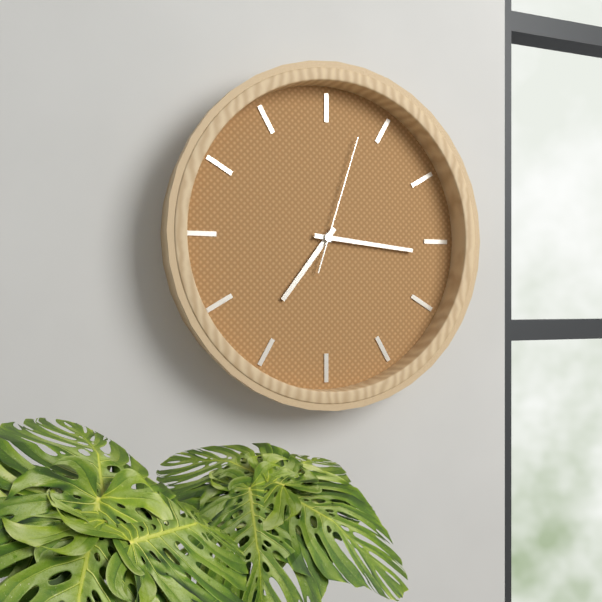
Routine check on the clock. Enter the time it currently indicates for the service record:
7:16:03
